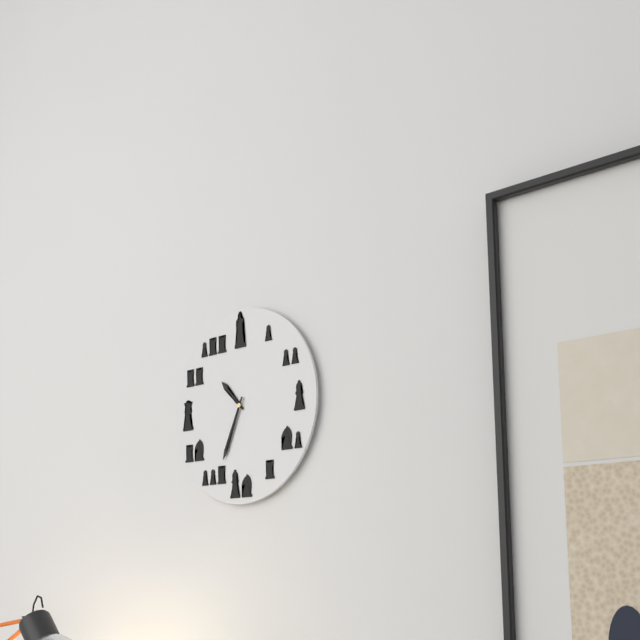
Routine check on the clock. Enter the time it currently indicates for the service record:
10:34
